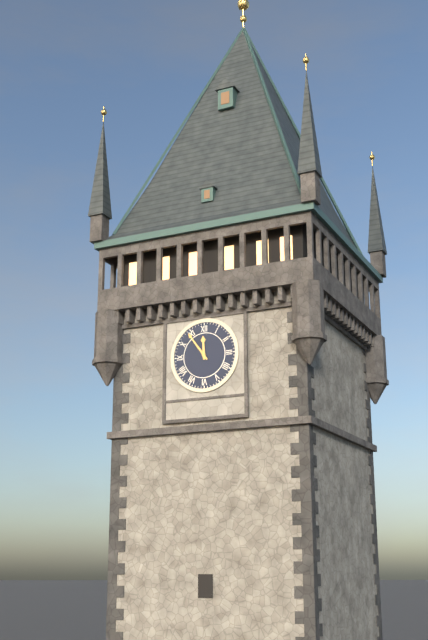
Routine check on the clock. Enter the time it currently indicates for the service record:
11:54
